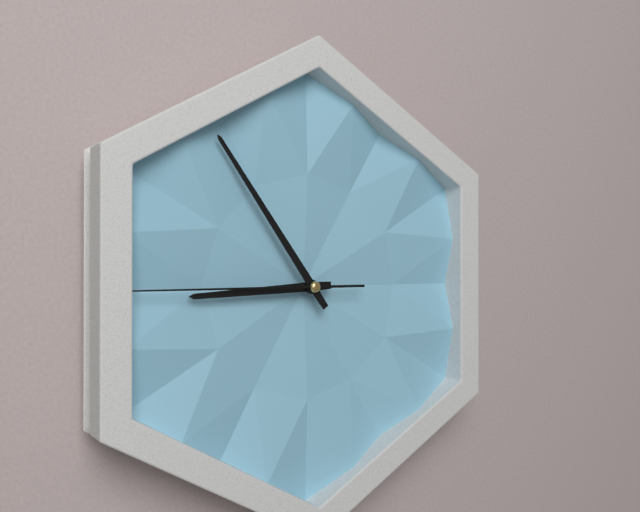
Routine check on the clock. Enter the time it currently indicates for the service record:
8:54:45
